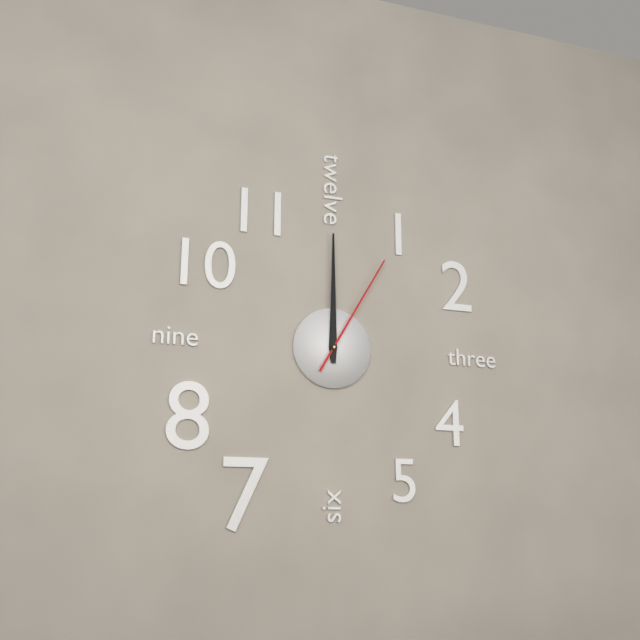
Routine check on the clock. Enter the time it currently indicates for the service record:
12:00:05
